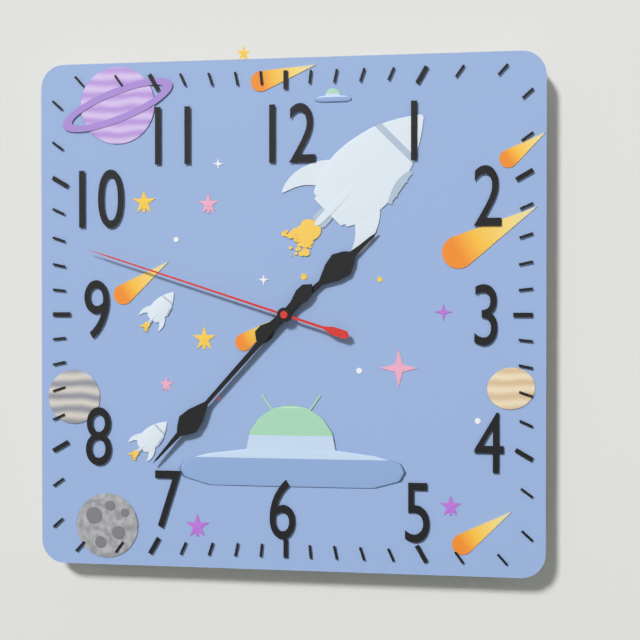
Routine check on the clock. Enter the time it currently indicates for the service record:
1:37:48
